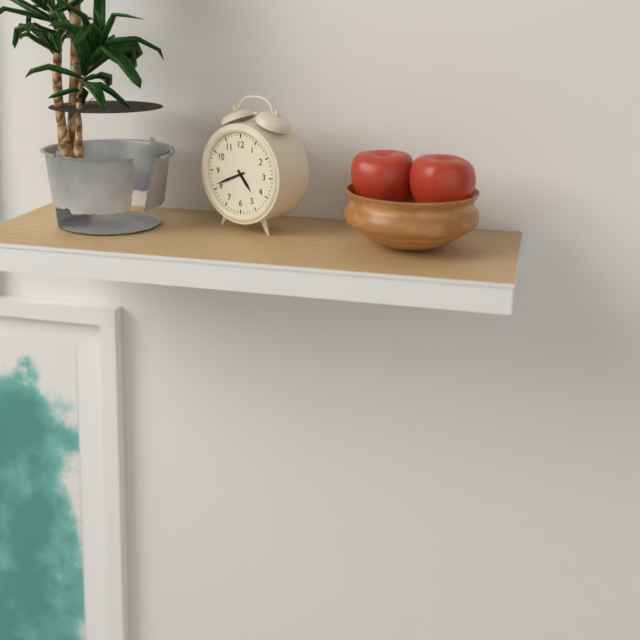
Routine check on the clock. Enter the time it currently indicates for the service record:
4:41
